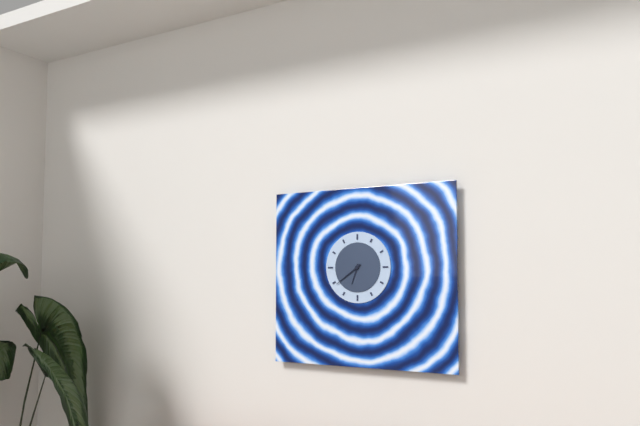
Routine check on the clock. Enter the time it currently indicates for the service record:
6:39
